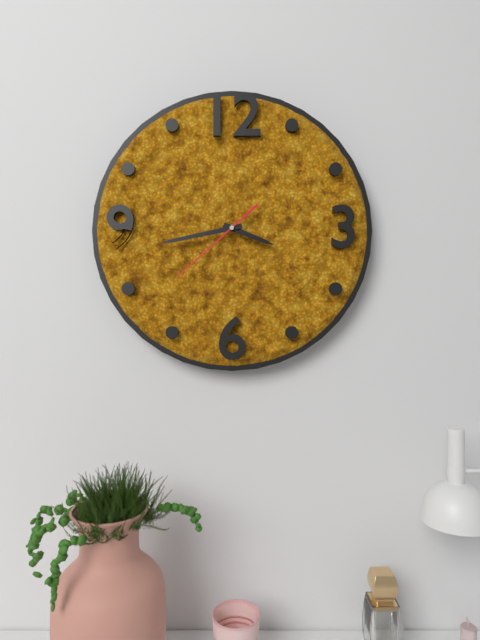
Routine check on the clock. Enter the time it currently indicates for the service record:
3:43:38
